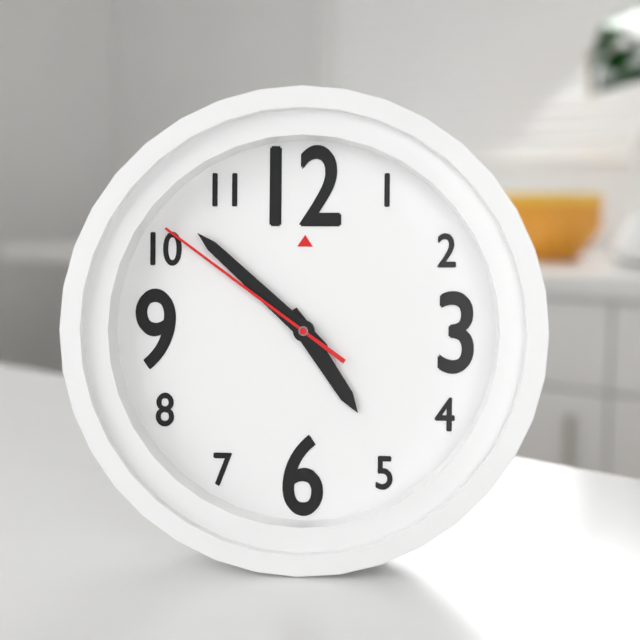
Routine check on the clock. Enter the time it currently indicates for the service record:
4:52:51
